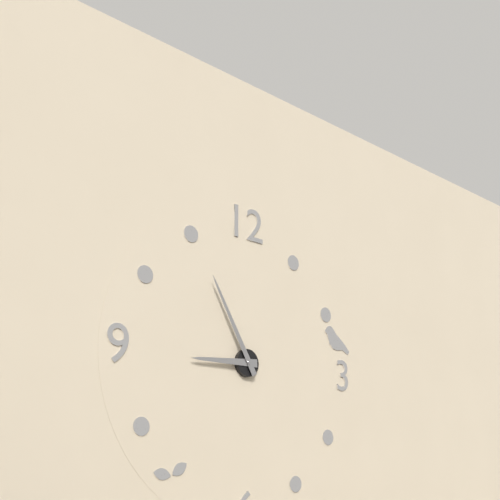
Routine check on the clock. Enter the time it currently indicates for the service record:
8:55
